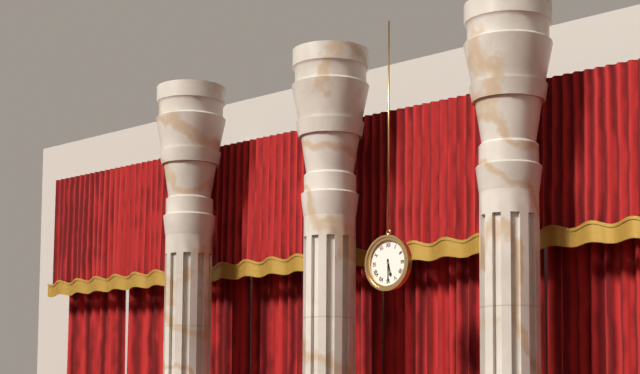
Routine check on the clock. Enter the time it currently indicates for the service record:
5:30
